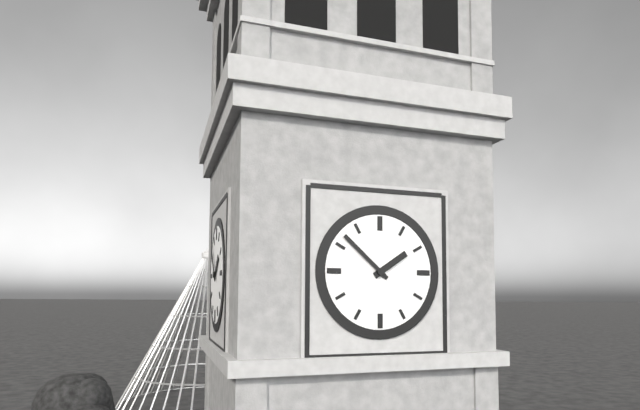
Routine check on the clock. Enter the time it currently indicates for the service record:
1:52
